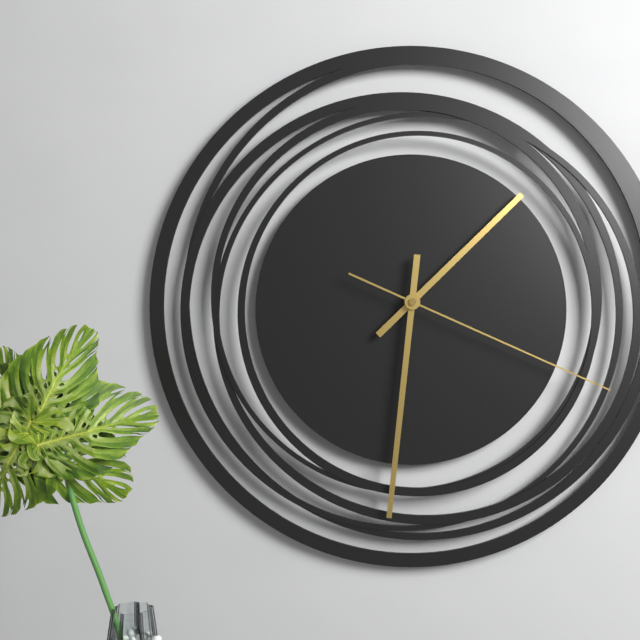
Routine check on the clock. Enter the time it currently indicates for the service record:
1:31:19
